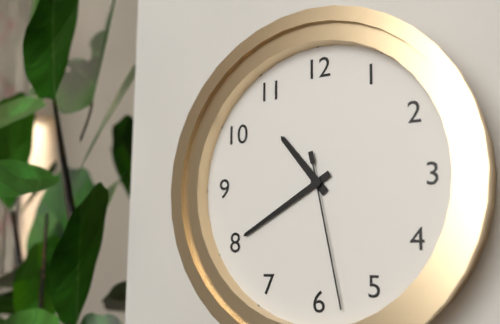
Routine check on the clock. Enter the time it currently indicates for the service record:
10:40:28
